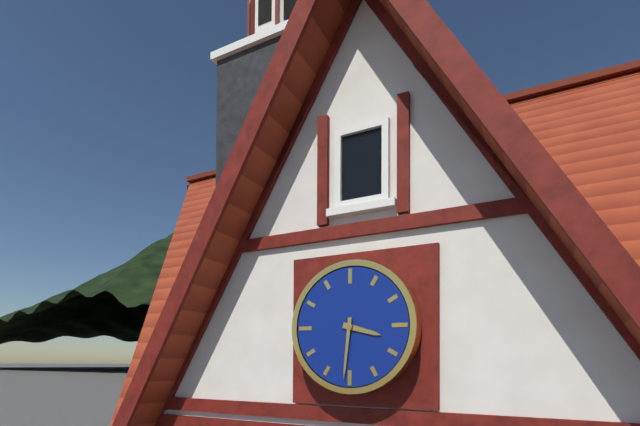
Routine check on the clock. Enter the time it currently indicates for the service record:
3:31
